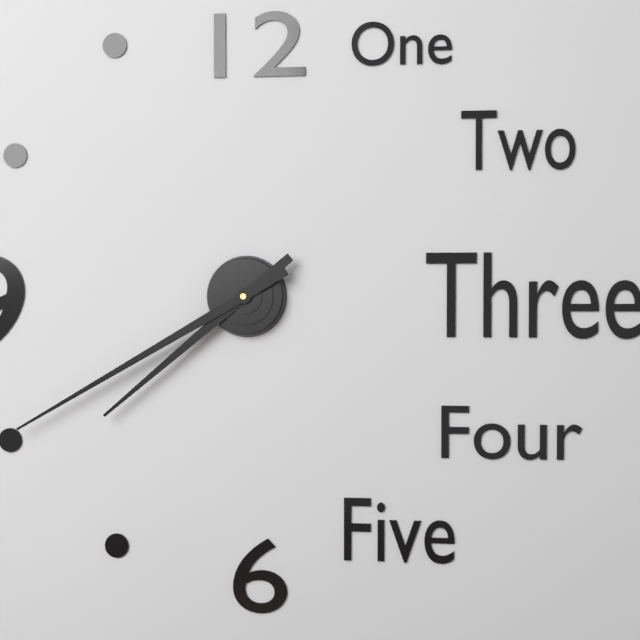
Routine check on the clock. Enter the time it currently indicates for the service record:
7:40
